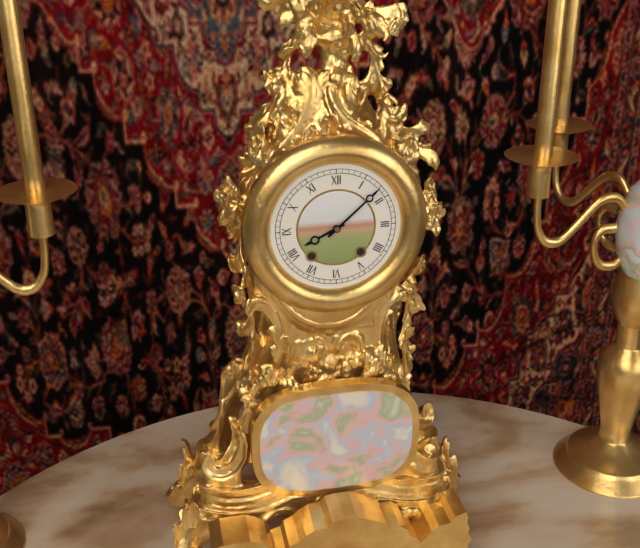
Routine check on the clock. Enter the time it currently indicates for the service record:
8:08
